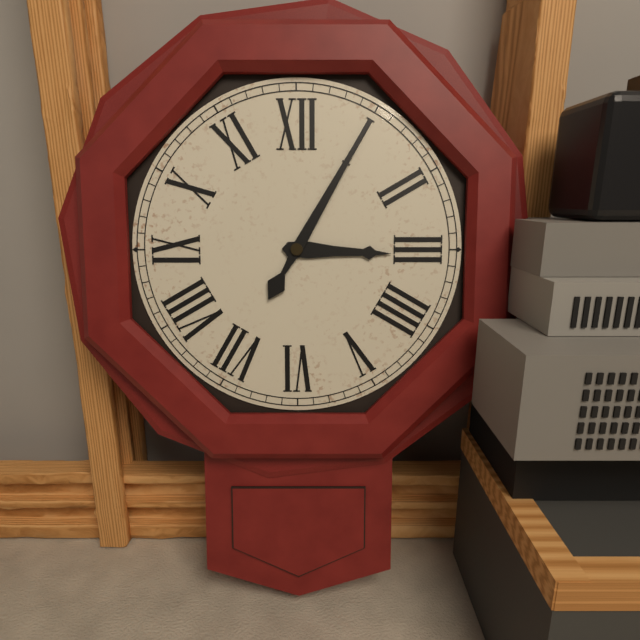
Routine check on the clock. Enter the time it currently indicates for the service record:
3:05
